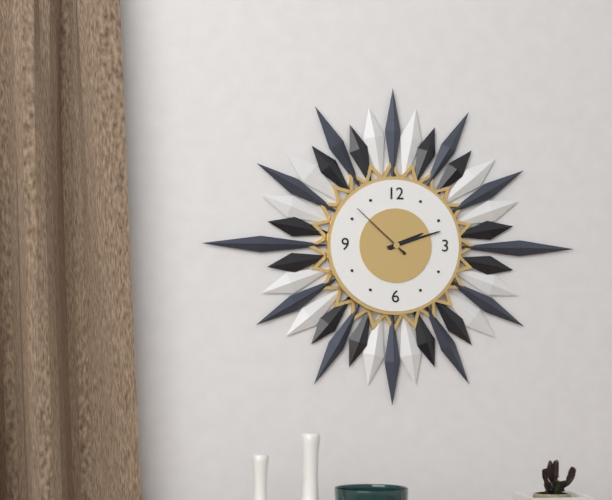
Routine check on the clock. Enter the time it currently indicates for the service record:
2:12:52
